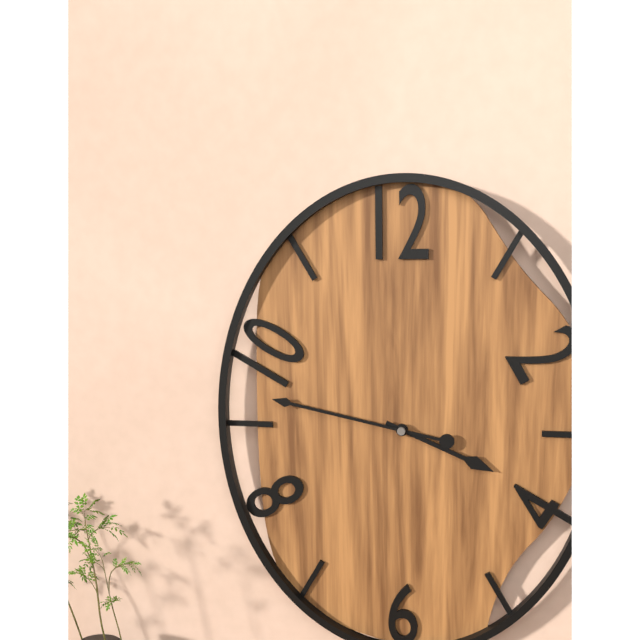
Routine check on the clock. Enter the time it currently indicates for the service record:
3:47
